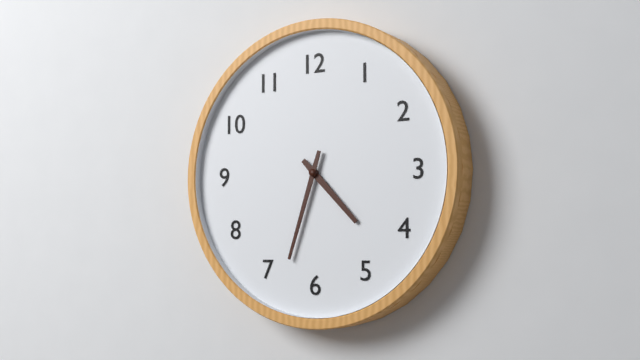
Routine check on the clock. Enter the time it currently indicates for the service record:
4:33
